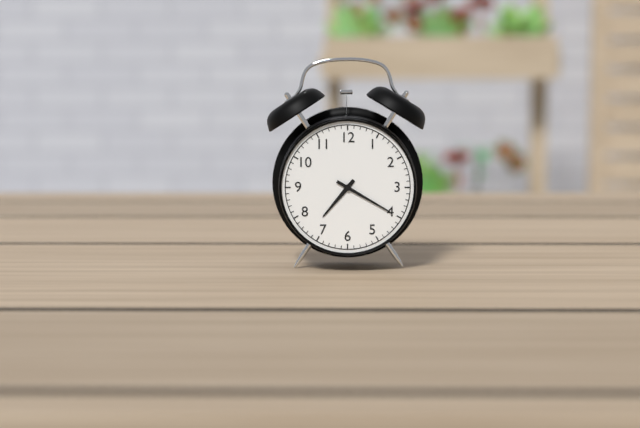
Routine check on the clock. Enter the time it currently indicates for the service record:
7:20
